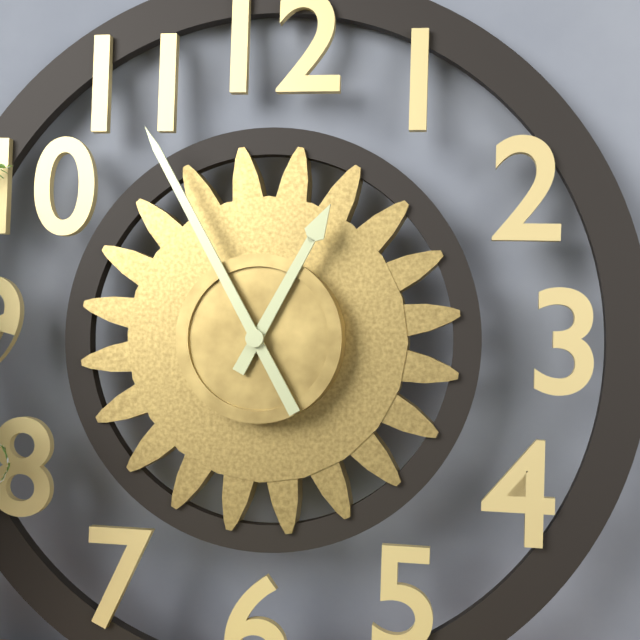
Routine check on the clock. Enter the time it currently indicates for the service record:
12:55
